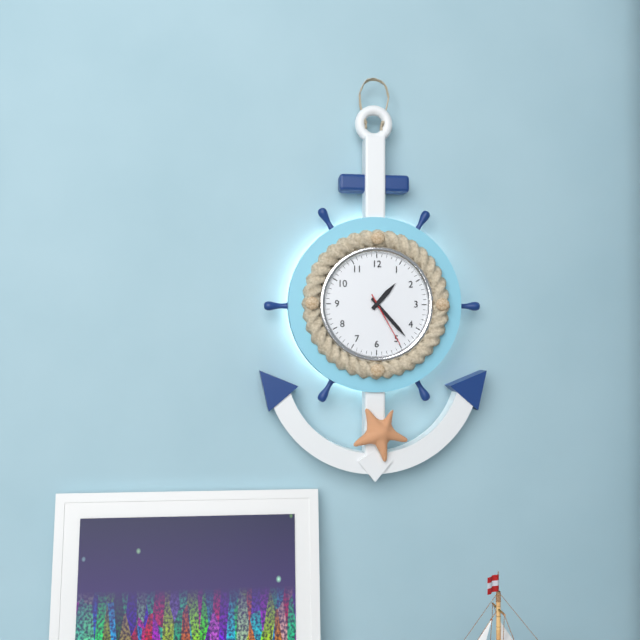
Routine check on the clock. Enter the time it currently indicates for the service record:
1:23:25
